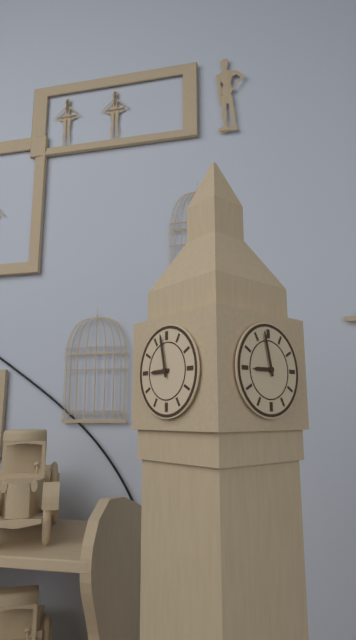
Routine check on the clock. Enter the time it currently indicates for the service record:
8:58
